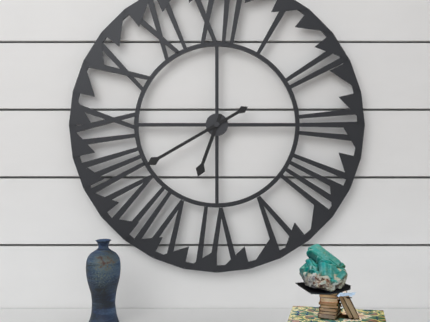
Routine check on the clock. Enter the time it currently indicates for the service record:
6:40
